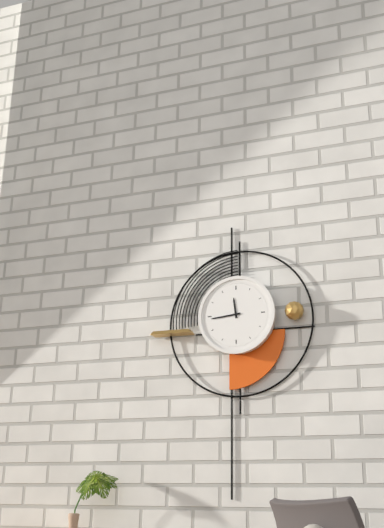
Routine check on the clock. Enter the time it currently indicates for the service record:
11:44
